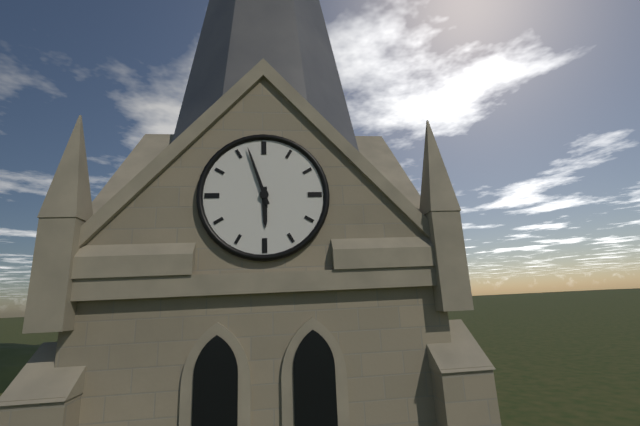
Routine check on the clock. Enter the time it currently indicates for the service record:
5:57
